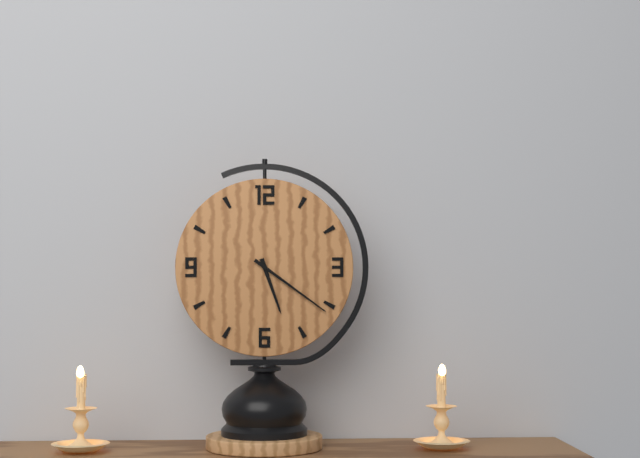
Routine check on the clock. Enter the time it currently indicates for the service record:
5:21
